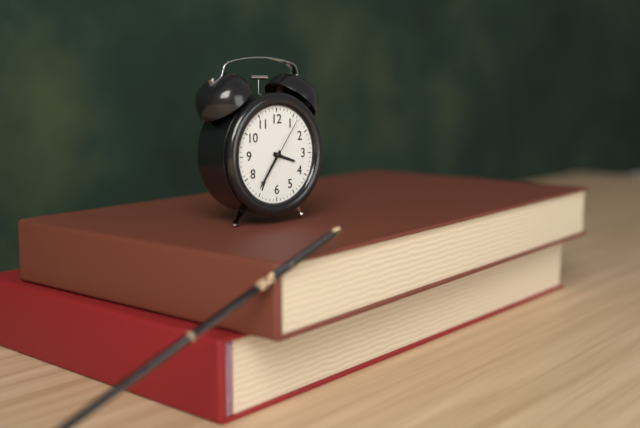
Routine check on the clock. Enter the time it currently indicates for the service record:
3:36:06
